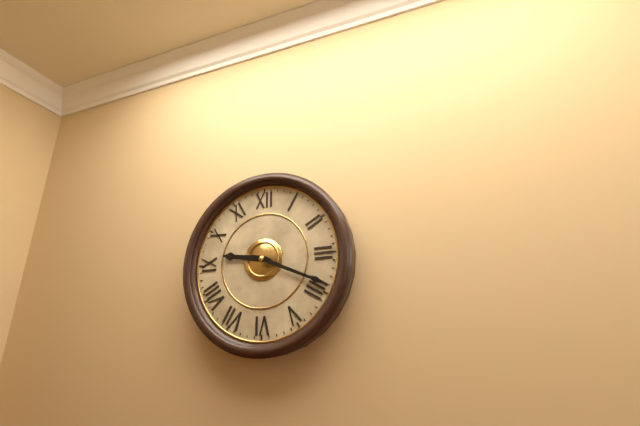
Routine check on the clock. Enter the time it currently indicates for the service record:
9:19
